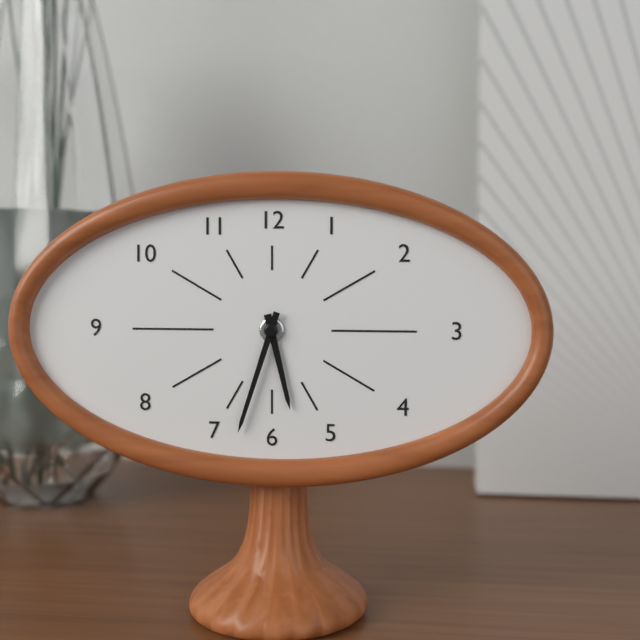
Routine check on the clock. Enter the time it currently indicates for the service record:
5:33
